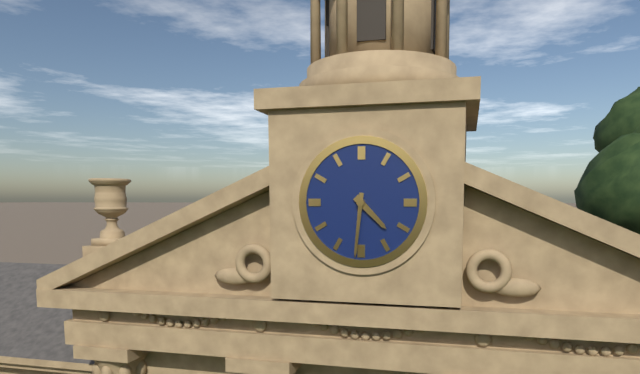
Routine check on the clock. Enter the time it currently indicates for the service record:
4:31
